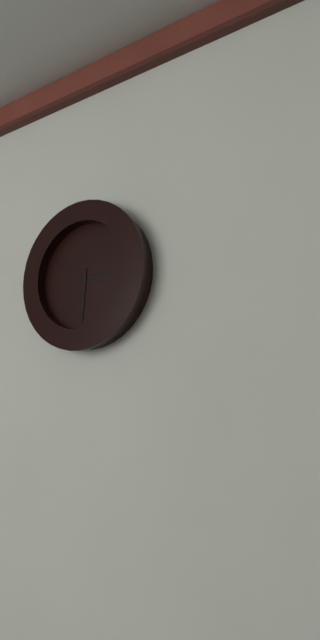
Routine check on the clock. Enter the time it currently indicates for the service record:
3:31
